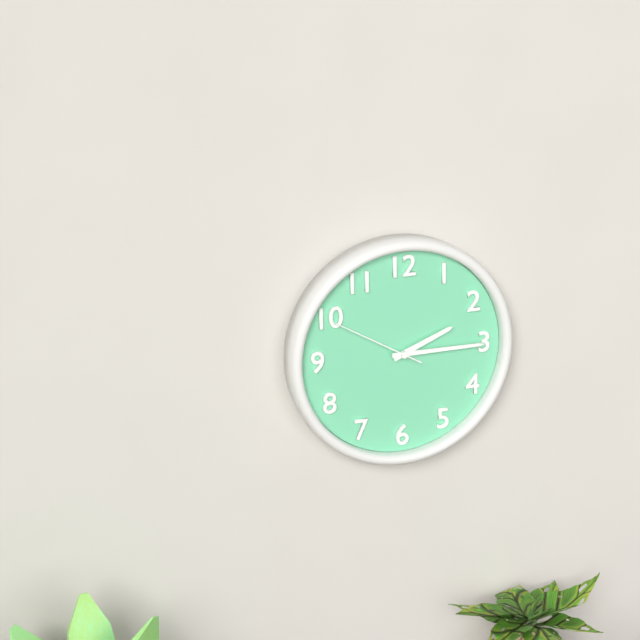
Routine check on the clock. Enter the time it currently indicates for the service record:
2:15:50
